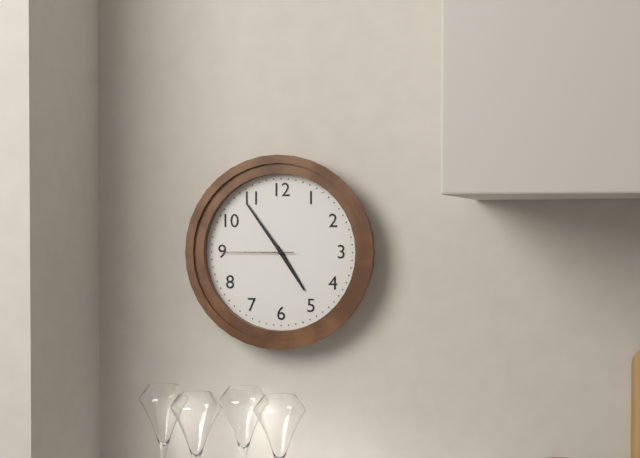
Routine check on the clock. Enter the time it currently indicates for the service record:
4:54:45
